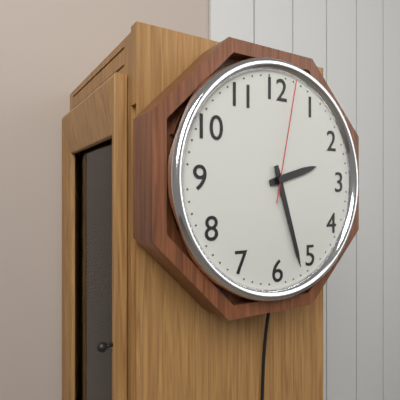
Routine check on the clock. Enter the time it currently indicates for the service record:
2:27:02
